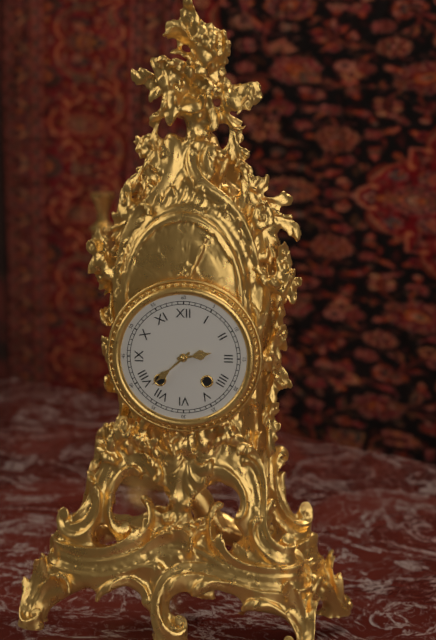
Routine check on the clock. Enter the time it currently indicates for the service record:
2:38
